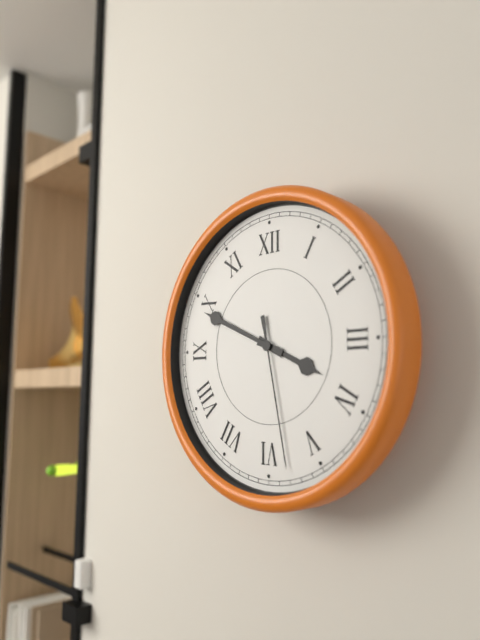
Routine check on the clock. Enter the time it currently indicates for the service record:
3:49:28
